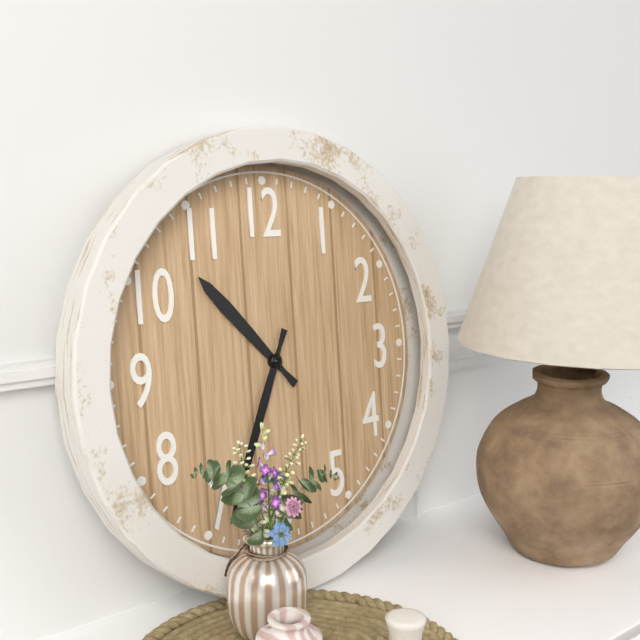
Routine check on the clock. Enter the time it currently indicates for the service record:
10:34
